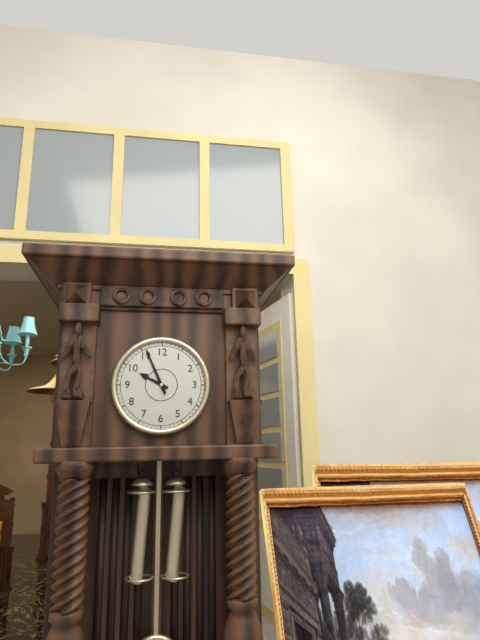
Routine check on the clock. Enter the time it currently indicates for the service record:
9:56
